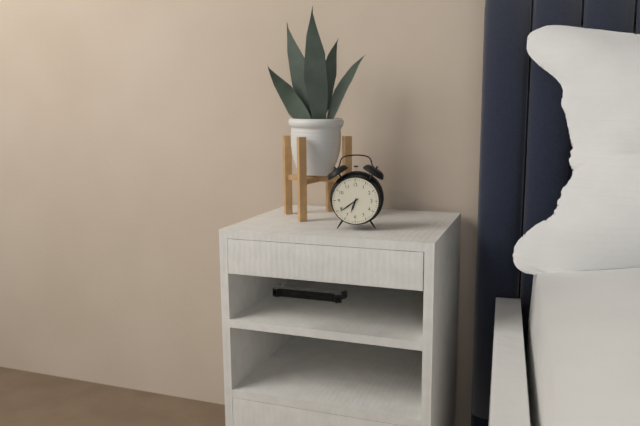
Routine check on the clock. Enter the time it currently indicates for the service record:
6:39
